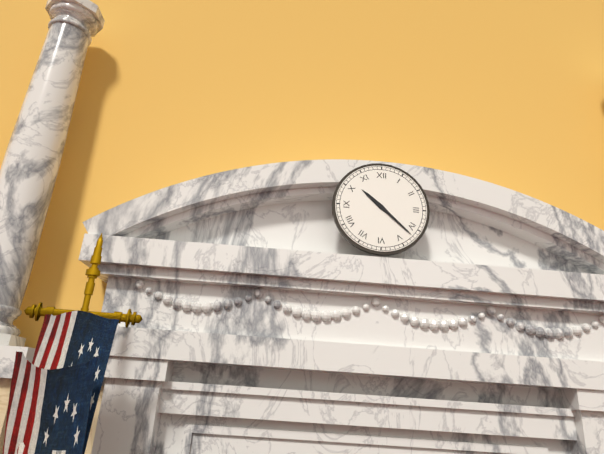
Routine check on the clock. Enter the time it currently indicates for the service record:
10:22
